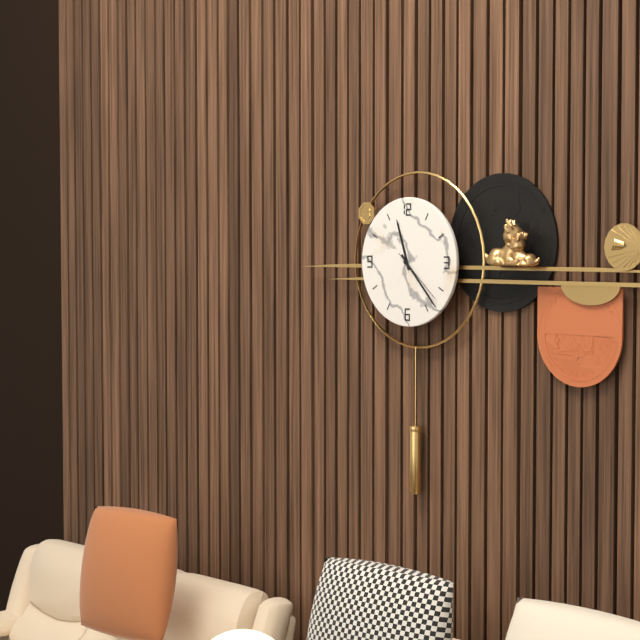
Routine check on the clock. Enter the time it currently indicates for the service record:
11:23:22
